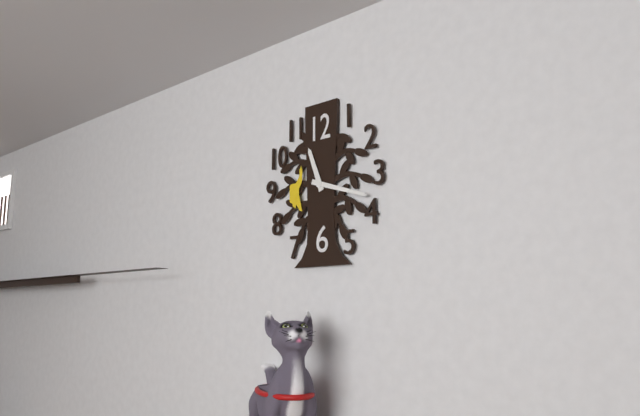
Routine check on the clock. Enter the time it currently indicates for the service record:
11:18
